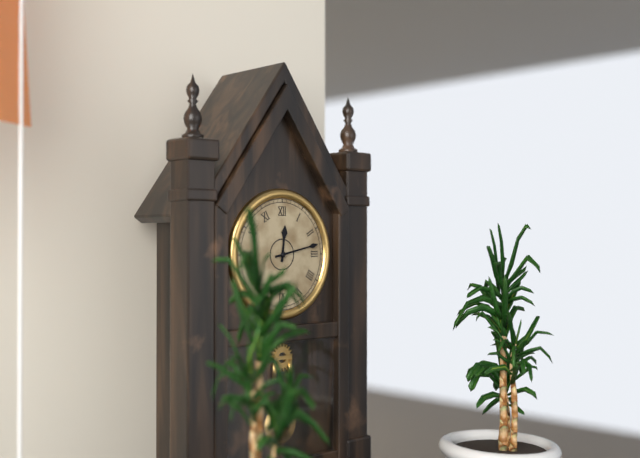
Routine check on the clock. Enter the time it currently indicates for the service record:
12:13
